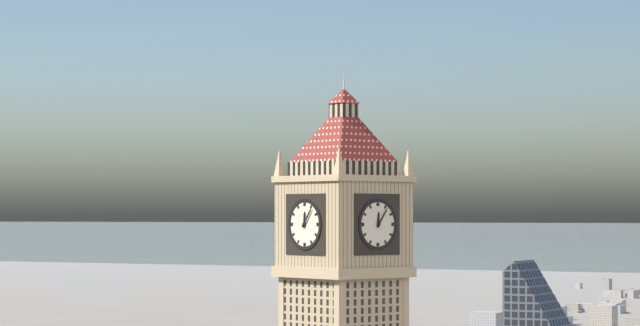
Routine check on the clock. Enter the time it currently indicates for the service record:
12:06
